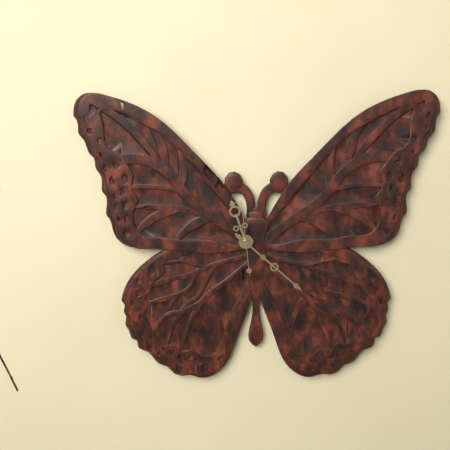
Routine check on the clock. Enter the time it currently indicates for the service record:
11:22:59
